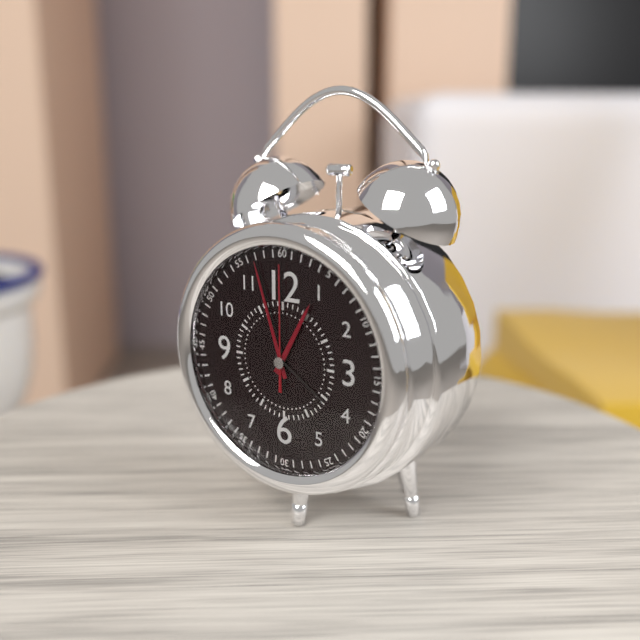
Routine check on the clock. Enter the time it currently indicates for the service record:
12:57:00
